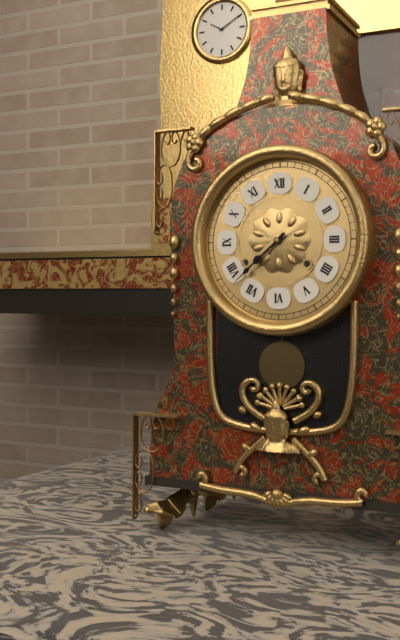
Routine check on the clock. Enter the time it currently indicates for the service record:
7:38
